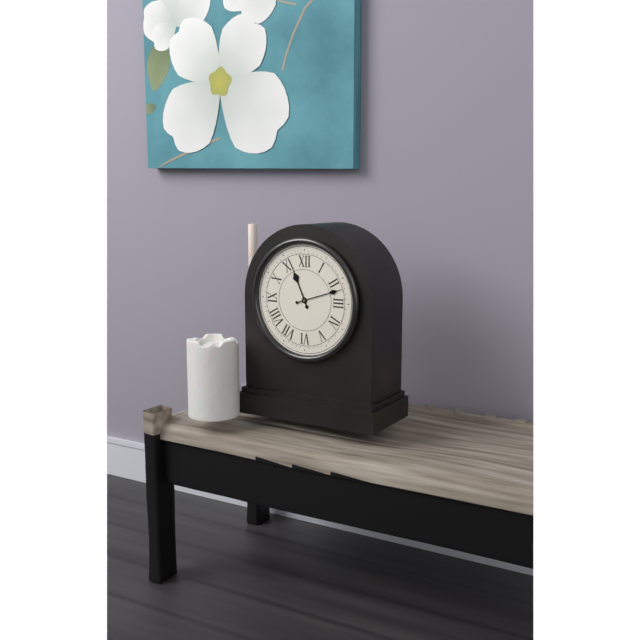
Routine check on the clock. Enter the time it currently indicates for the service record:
11:12
